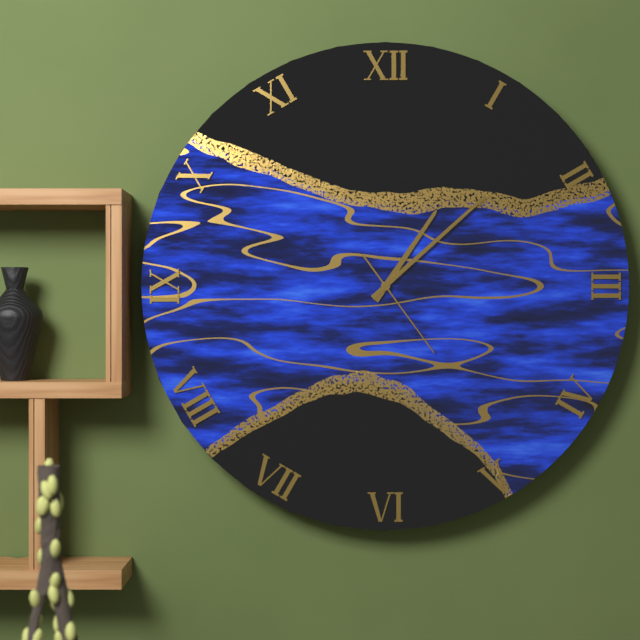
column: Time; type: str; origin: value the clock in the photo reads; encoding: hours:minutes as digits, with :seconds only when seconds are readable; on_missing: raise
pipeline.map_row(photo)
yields 1:08:24
